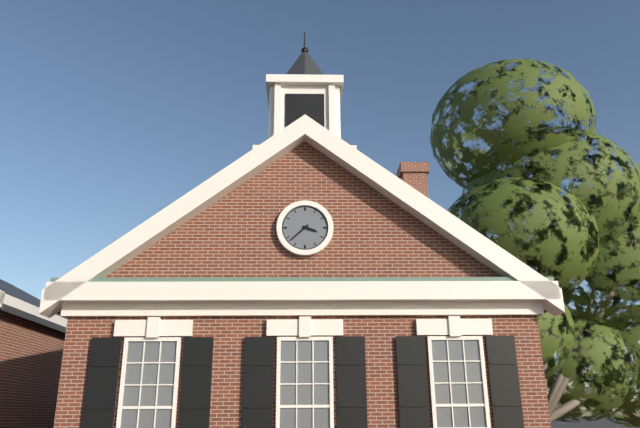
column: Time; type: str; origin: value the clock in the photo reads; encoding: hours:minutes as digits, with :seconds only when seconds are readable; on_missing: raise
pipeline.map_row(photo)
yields 3:38
